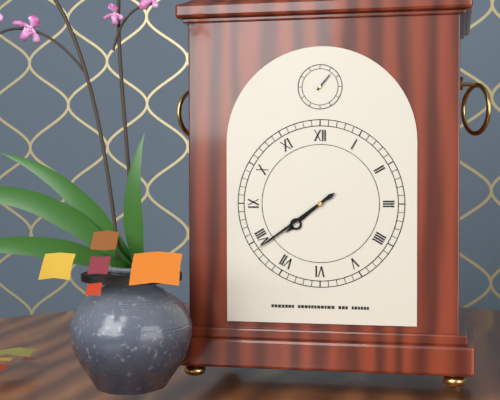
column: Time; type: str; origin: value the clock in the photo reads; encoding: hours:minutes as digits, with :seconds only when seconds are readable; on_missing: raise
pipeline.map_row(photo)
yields 7:39
